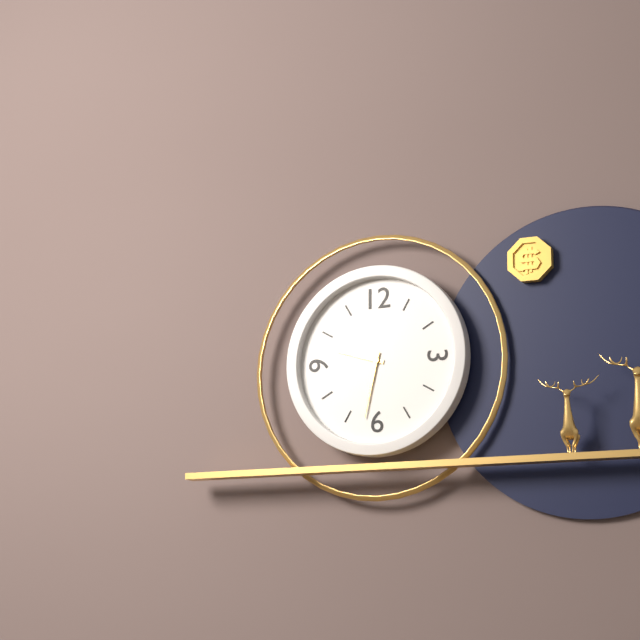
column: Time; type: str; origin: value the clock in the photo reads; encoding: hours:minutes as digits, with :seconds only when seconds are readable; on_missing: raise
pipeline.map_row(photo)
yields 9:32
